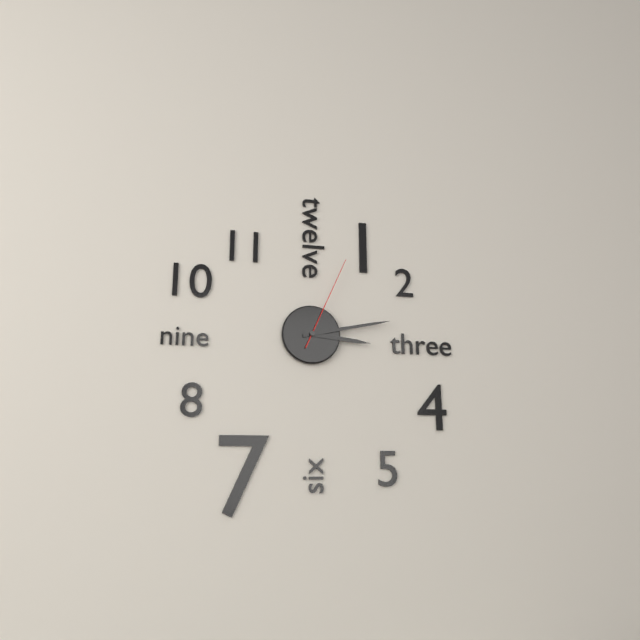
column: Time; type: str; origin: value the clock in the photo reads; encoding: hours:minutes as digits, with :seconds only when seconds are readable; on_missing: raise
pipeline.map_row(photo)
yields 3:13:04
